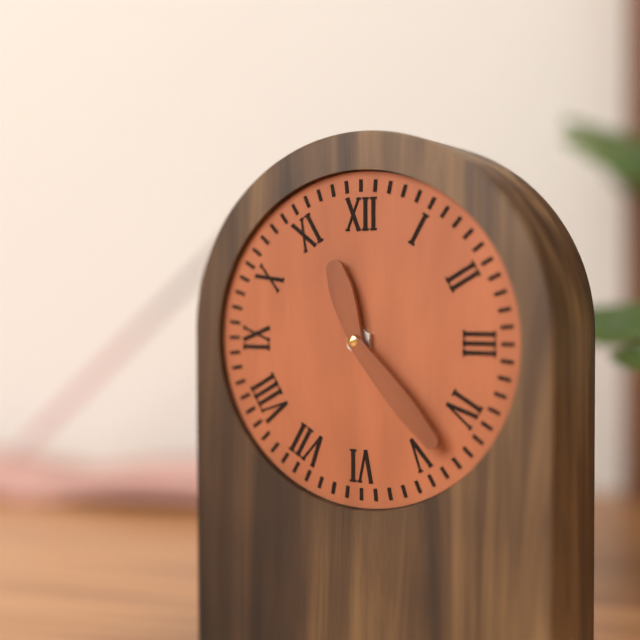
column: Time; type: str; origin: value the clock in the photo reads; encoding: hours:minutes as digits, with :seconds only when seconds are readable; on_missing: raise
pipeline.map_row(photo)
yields 11:23
